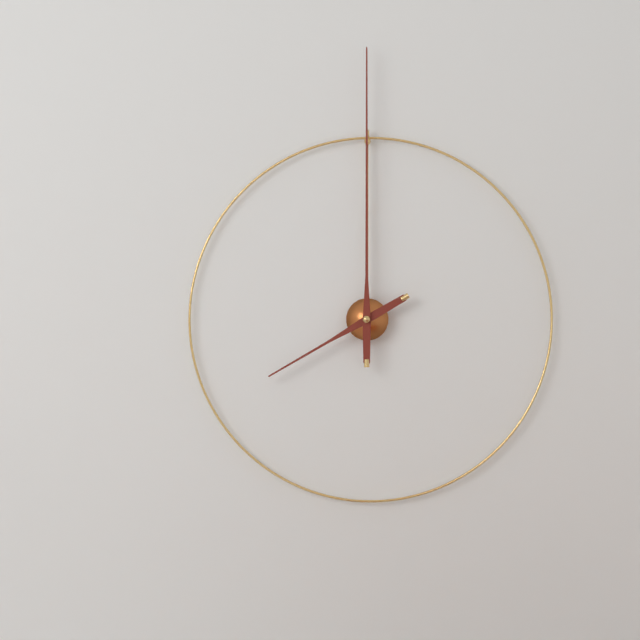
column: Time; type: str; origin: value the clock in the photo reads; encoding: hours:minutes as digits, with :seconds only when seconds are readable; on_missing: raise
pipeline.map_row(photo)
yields 8:00
